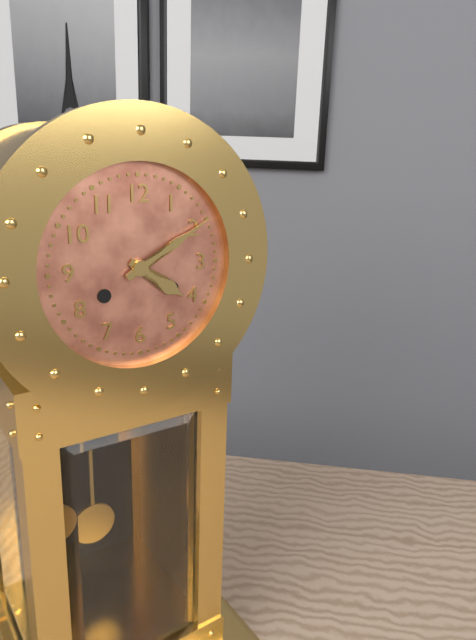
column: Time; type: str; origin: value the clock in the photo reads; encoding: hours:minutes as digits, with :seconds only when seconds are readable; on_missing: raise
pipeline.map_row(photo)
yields 4:10
